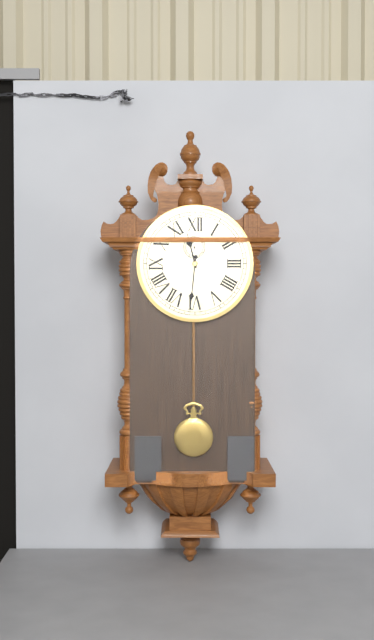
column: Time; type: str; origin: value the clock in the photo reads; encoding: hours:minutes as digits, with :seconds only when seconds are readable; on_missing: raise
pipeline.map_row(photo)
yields 11:31
